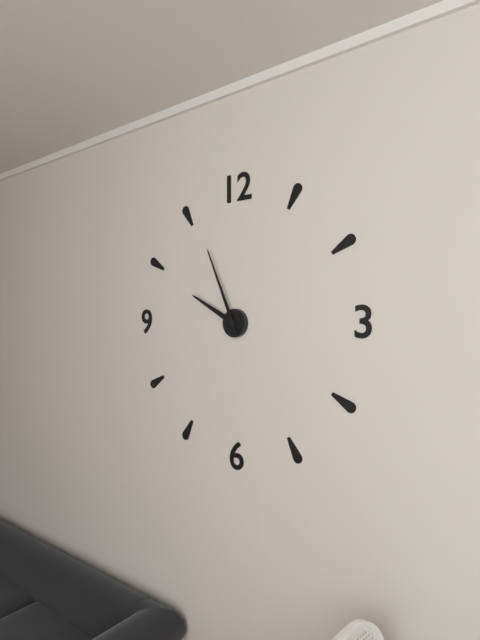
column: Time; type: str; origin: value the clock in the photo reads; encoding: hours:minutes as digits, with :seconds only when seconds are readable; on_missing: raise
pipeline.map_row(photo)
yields 9:56
